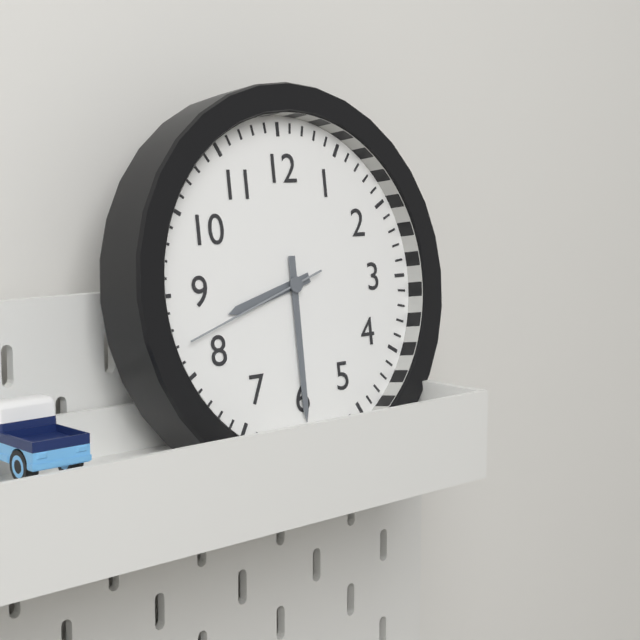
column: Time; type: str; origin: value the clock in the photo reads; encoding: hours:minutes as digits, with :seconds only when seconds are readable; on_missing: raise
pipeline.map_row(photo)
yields 8:30:42
